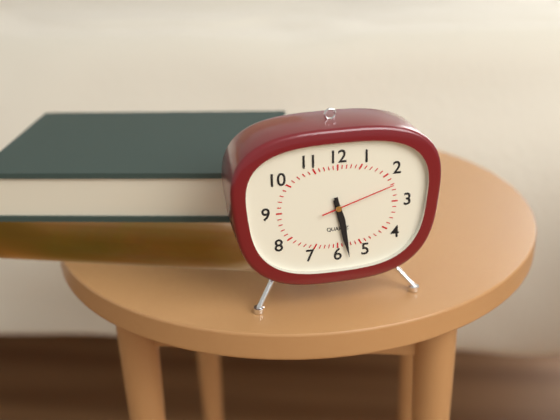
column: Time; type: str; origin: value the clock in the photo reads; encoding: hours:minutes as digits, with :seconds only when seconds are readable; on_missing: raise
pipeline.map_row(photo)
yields 5:28:12
